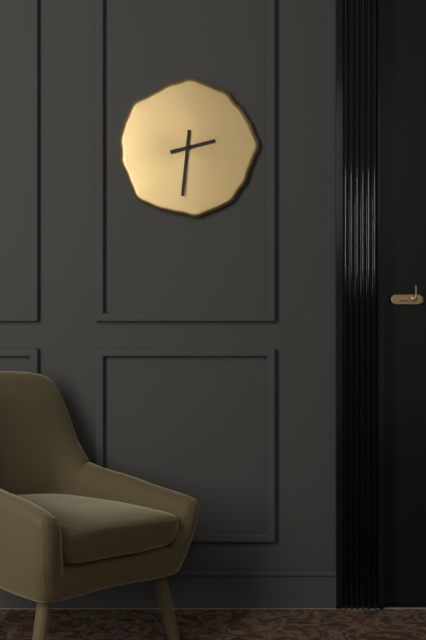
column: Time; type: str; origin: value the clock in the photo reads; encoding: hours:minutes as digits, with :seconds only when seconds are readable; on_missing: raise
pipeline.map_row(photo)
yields 2:31
